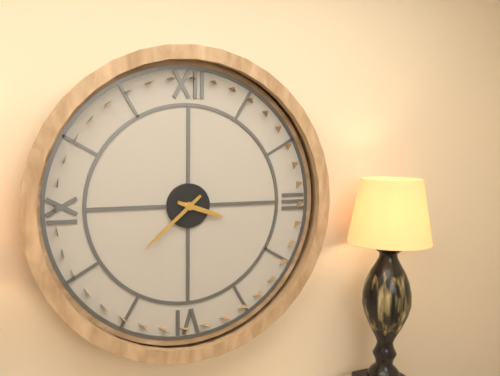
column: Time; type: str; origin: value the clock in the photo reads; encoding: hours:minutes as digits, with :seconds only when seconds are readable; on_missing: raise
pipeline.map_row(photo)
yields 3:38
